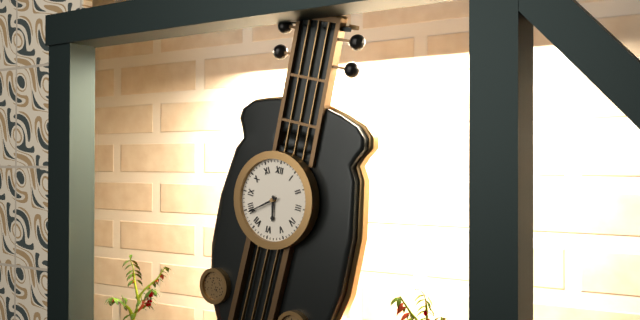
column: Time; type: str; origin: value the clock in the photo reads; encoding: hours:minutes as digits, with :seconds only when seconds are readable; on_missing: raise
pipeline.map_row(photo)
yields 5:39
